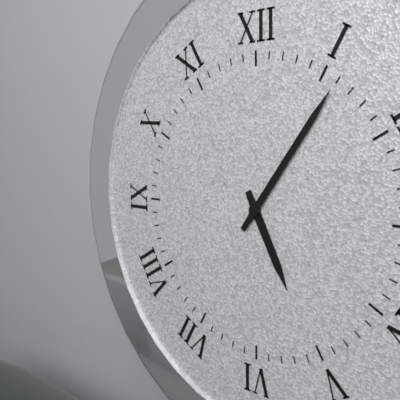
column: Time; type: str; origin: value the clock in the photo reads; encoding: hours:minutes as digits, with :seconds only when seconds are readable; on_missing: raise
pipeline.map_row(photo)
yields 5:06
